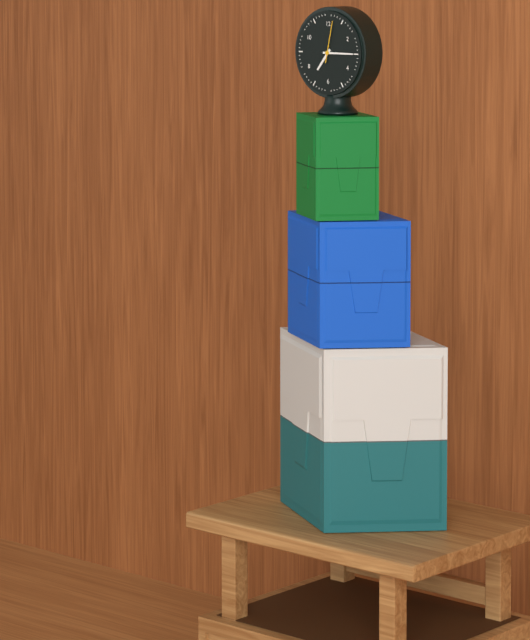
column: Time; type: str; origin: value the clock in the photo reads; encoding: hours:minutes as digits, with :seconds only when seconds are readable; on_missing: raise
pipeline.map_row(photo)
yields 7:15
